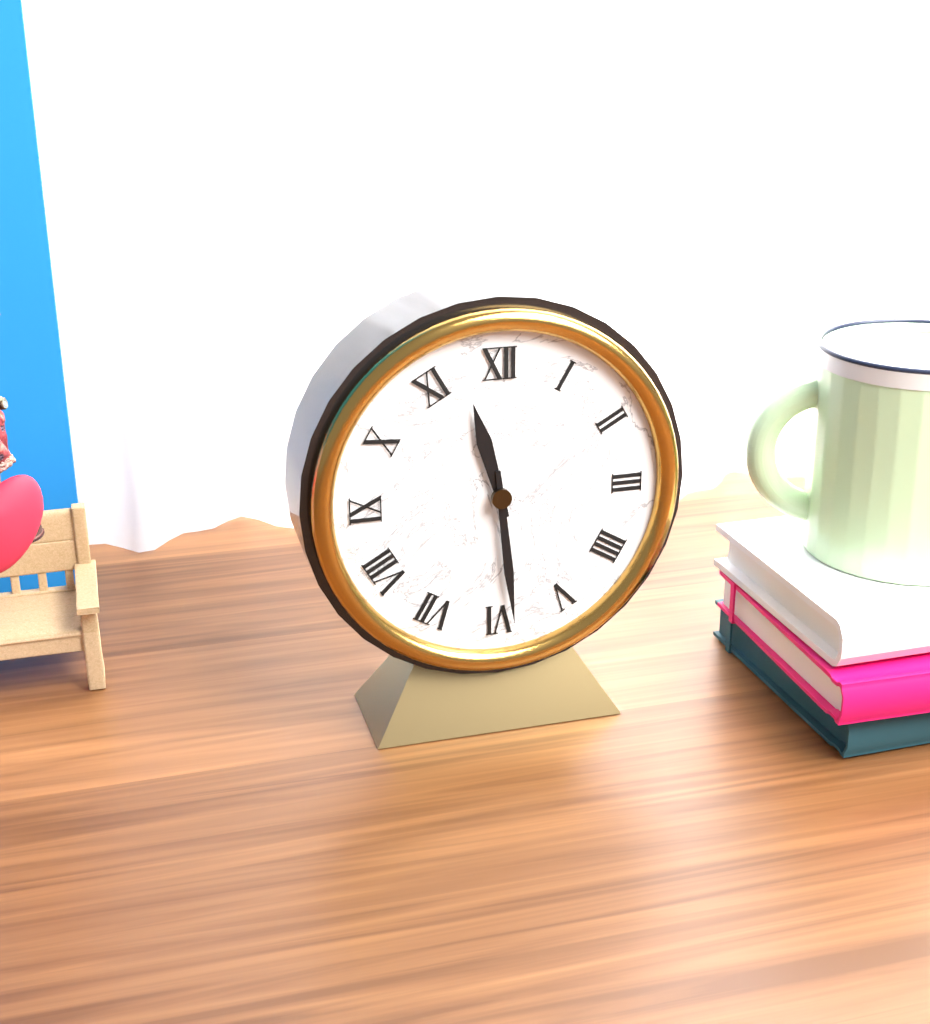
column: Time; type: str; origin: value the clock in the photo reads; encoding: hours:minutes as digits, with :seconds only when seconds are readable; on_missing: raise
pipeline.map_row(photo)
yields 11:29
